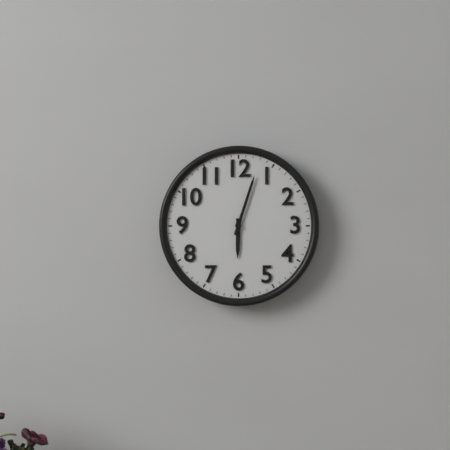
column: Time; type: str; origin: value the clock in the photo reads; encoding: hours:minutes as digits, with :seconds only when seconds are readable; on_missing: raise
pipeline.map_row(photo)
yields 6:03
